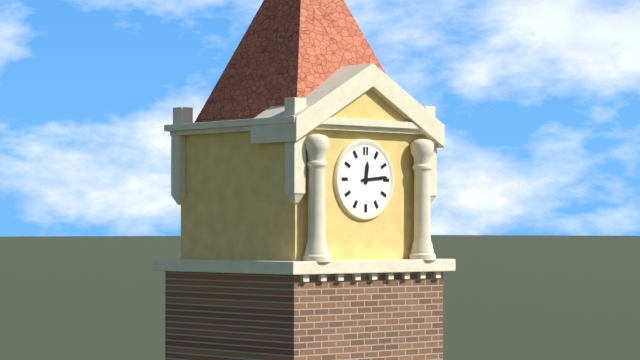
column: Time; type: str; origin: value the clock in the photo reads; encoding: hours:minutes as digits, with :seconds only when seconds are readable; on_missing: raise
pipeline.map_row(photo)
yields 12:14
